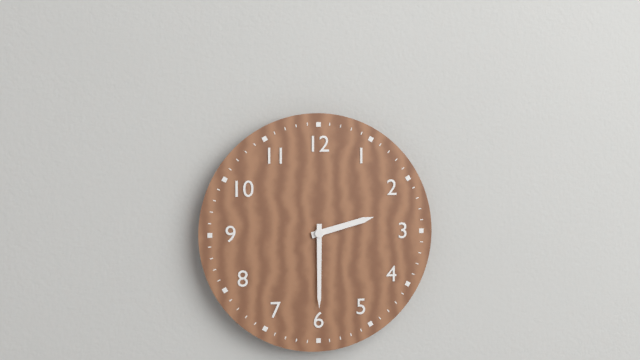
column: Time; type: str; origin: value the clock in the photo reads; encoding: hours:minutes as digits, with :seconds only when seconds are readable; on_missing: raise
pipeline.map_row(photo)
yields 2:30
